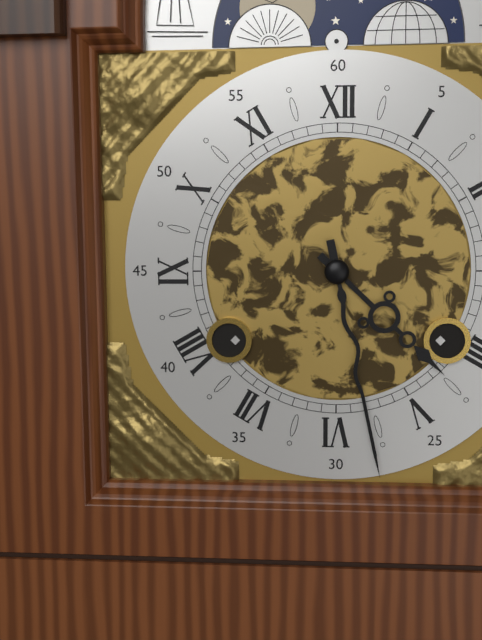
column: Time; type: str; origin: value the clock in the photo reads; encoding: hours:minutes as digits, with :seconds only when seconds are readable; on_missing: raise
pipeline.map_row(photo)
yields 4:28
